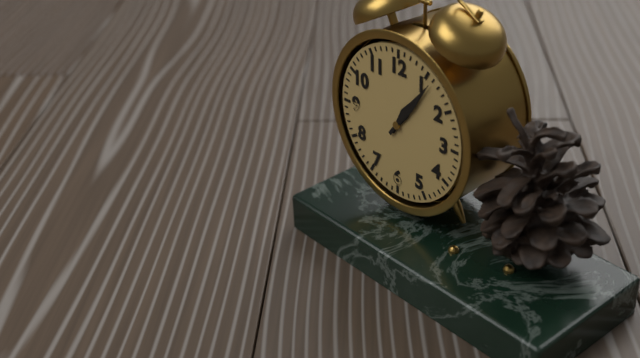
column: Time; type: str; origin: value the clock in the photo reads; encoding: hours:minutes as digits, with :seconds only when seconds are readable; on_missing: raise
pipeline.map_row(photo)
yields 1:06
